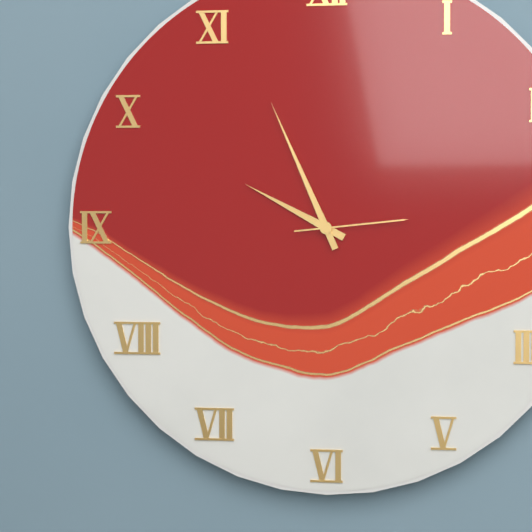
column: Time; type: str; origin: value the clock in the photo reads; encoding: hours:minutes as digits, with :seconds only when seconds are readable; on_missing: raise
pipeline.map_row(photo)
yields 9:56:14
